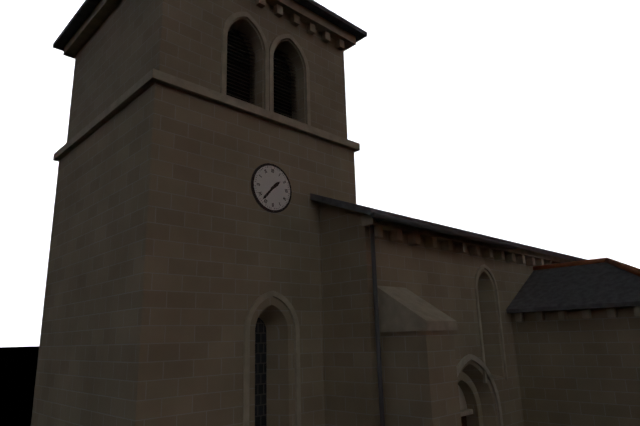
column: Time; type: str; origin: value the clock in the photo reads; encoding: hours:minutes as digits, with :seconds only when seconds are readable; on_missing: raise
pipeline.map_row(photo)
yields 1:37
